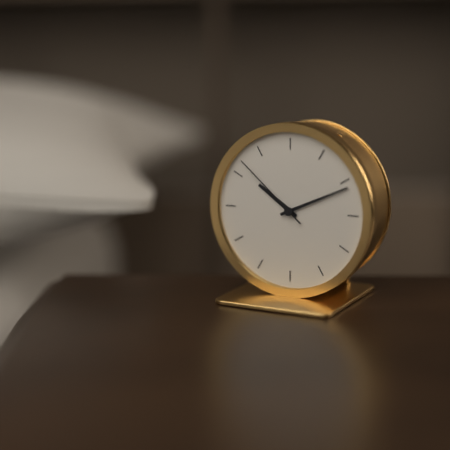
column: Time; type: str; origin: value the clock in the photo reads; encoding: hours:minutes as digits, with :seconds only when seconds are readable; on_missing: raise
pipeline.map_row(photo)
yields 10:11:52
